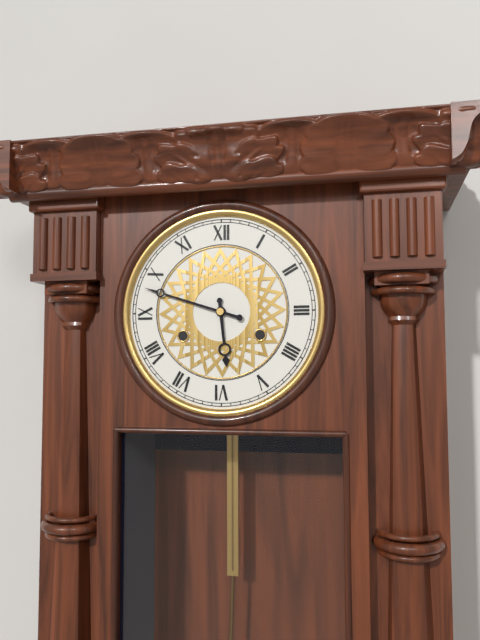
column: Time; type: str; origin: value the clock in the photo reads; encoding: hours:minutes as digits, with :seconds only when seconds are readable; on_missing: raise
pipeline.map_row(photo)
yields 5:48
